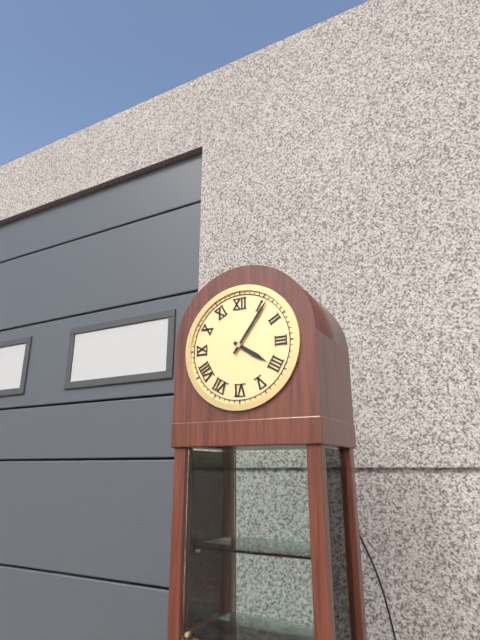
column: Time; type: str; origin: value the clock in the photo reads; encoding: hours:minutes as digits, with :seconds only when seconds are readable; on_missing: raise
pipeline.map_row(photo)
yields 4:06
